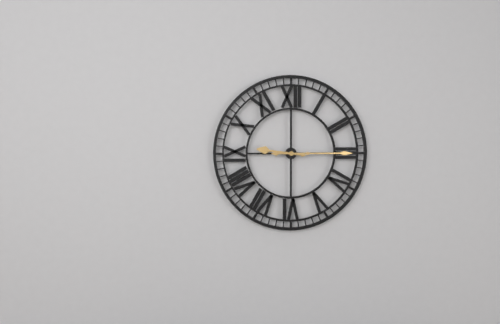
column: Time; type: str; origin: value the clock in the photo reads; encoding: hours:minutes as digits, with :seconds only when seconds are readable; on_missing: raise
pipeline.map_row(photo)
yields 9:15
